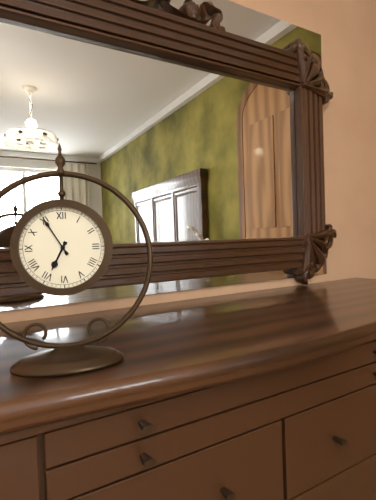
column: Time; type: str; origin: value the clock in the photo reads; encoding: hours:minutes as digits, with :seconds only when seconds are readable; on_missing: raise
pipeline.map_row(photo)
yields 6:55
